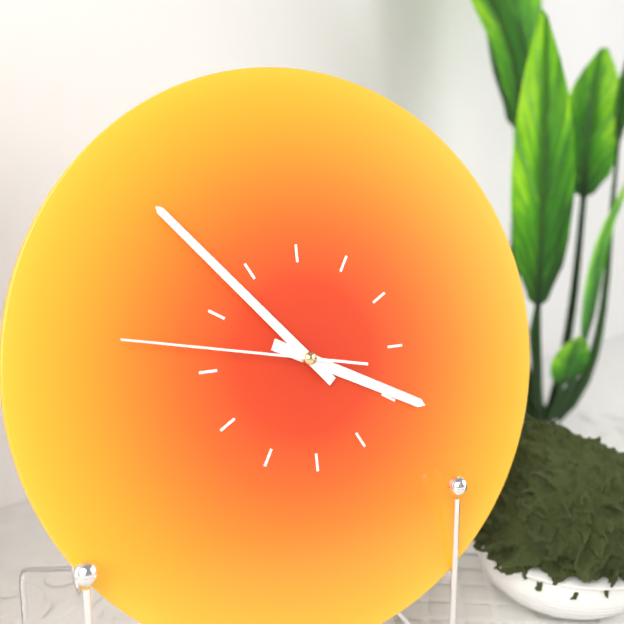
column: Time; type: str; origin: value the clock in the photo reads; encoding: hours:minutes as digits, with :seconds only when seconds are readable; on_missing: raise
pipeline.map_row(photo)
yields 3:53:47
